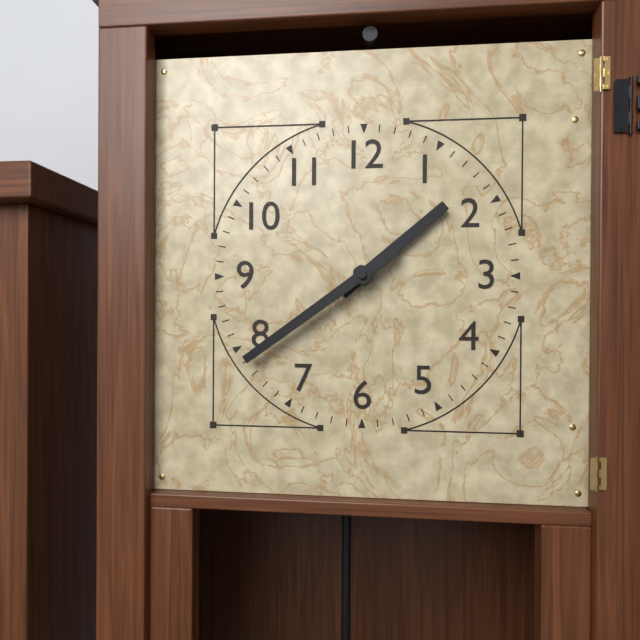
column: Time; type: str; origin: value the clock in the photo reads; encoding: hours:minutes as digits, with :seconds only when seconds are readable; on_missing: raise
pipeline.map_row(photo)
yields 1:39
